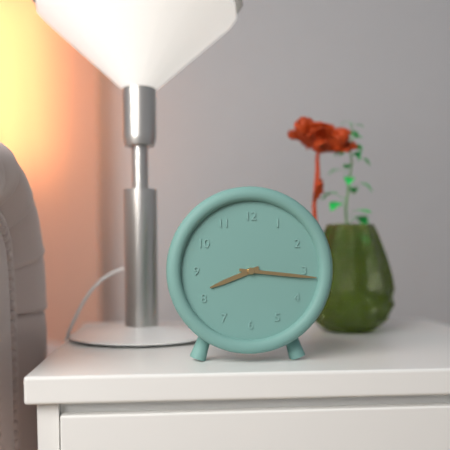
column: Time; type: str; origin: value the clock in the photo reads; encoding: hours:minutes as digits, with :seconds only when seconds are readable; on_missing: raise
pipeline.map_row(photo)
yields 8:16
